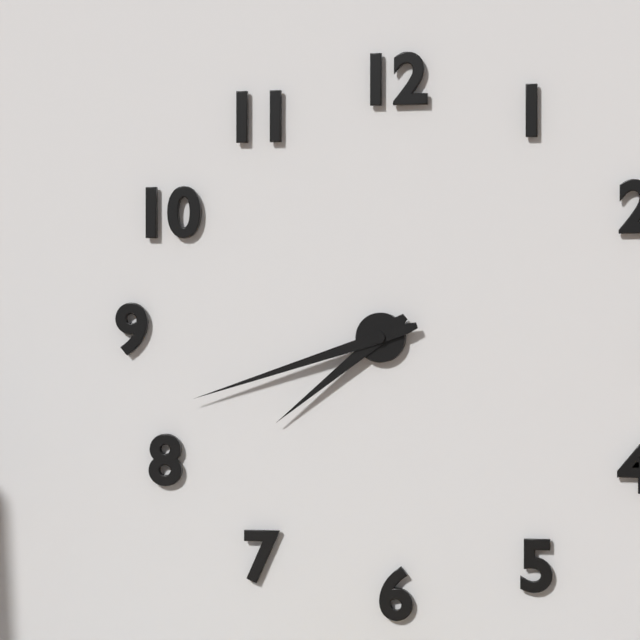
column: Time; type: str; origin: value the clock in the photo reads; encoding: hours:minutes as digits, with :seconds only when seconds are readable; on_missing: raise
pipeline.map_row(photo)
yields 7:42
